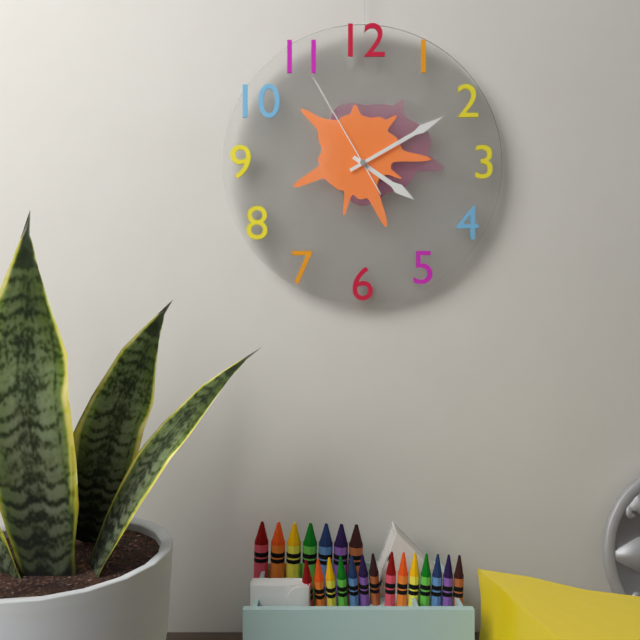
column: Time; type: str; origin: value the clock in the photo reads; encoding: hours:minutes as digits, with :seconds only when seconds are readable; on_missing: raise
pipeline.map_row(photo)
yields 4:10:55
